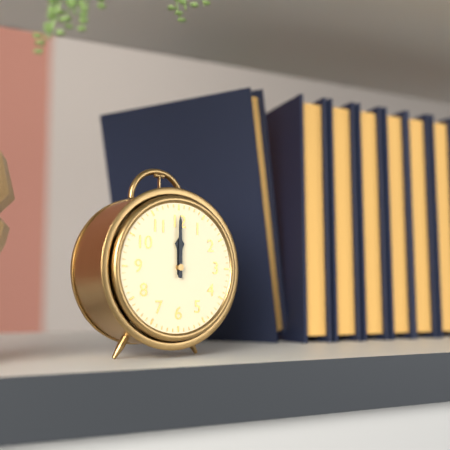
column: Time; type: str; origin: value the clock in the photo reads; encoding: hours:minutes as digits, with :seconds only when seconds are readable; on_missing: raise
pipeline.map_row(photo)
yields 12:00
